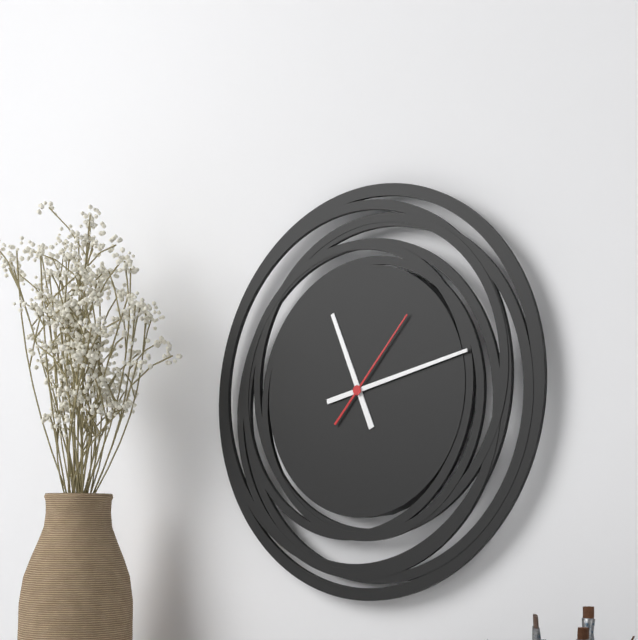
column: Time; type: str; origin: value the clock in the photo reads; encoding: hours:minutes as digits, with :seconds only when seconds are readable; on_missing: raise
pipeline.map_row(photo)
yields 11:13:07
